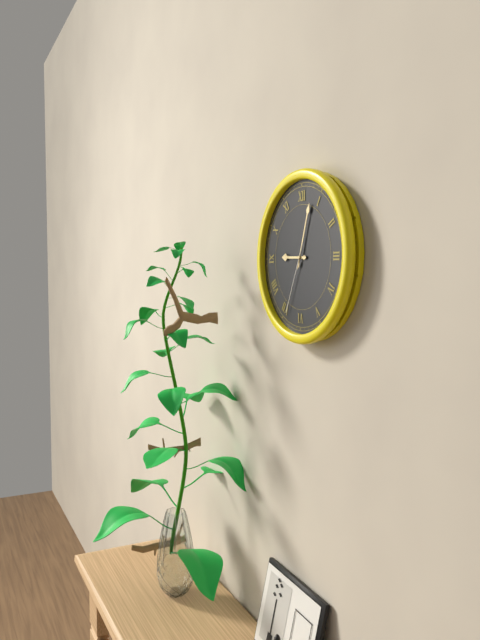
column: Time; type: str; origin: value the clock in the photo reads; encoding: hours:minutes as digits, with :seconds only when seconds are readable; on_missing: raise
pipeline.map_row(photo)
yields 9:03:34
